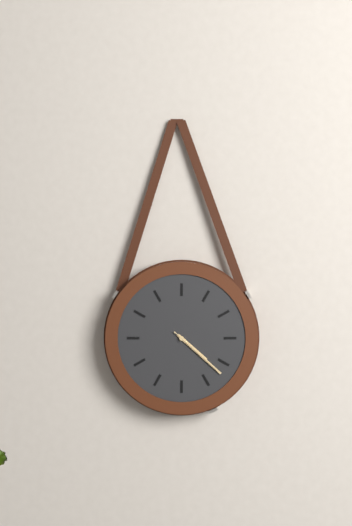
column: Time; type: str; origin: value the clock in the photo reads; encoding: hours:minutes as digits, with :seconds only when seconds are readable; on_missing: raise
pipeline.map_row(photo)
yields 4:22:22
